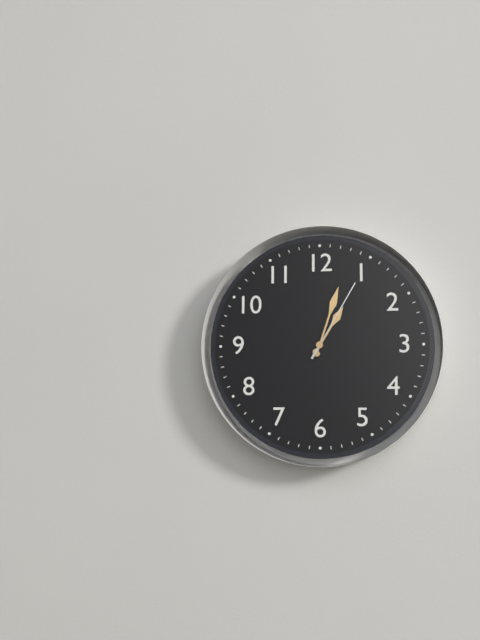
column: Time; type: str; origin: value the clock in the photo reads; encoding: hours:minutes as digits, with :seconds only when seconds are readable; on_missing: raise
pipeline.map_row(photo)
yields 1:03:05
